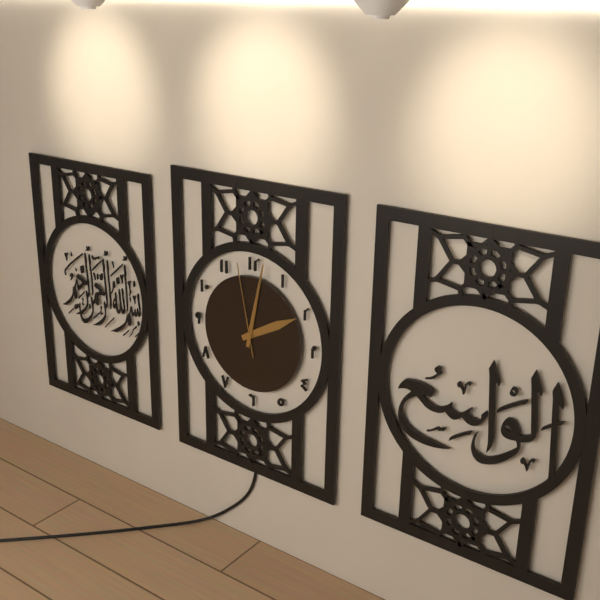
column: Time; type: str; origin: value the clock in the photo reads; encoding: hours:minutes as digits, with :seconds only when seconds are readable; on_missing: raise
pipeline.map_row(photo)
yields 2:02:58
